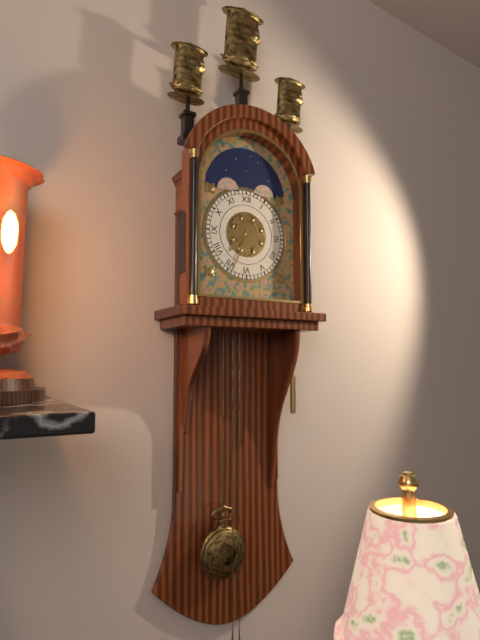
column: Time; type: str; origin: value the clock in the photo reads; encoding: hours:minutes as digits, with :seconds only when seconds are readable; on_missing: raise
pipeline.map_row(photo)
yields 7:34
